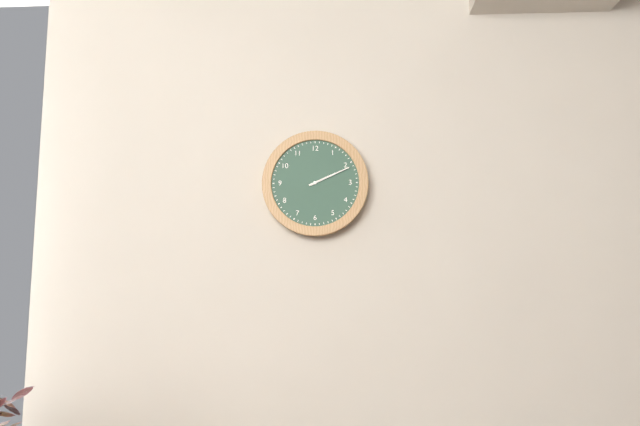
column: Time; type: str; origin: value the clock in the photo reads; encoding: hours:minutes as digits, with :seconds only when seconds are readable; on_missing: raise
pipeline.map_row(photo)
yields 2:11
